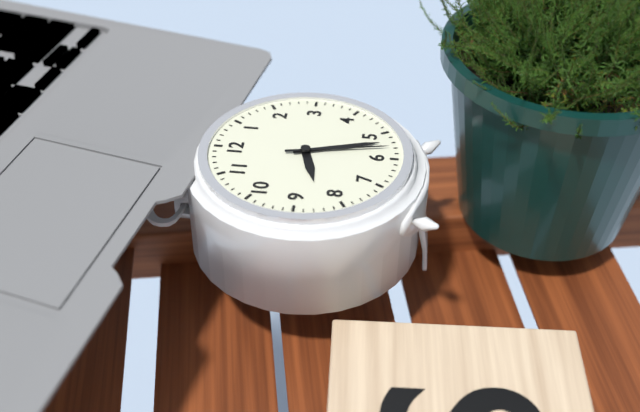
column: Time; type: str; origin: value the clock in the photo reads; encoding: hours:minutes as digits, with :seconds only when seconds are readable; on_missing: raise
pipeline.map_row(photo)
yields 8:27:28
